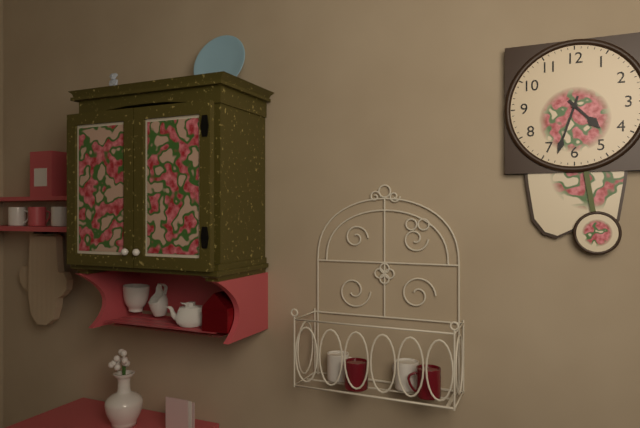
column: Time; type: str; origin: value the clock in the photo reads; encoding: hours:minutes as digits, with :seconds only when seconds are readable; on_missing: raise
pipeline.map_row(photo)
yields 4:33
